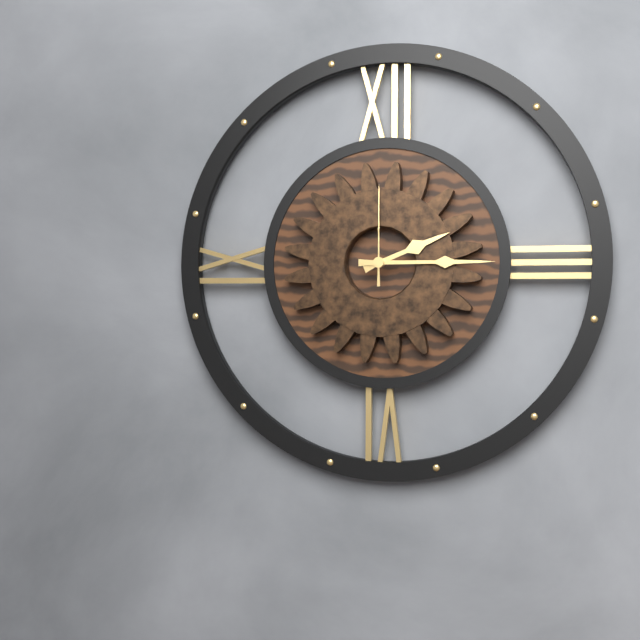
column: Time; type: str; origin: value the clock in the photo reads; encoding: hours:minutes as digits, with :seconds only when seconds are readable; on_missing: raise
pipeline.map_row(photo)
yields 2:15:00
